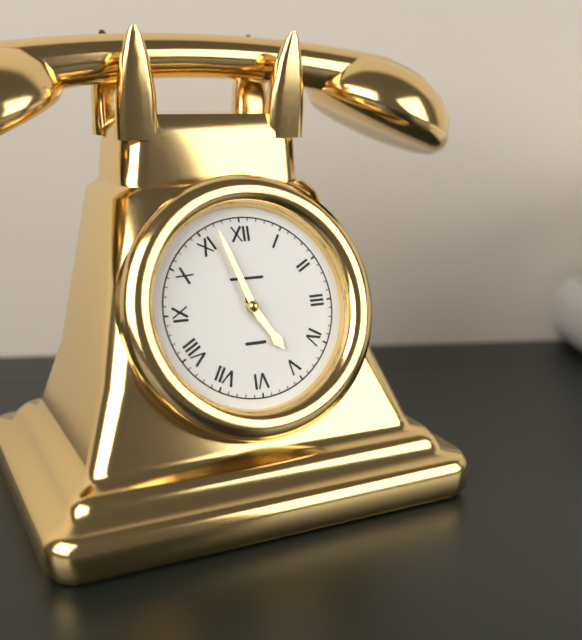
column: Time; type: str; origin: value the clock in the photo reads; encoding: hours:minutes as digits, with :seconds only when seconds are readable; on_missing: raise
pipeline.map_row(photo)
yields 4:57
